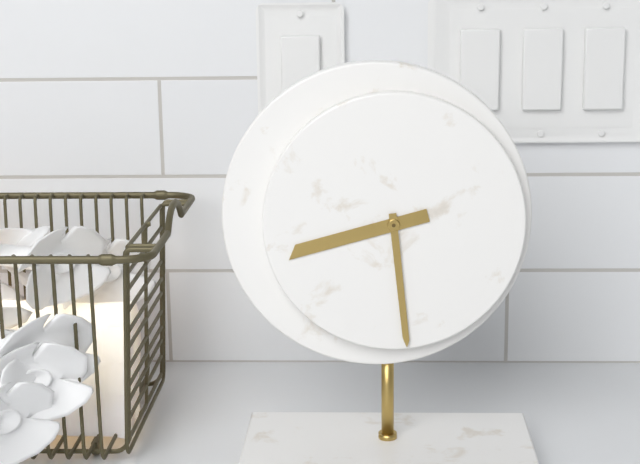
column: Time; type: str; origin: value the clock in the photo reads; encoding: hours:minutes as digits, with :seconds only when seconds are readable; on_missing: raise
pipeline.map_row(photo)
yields 8:29
